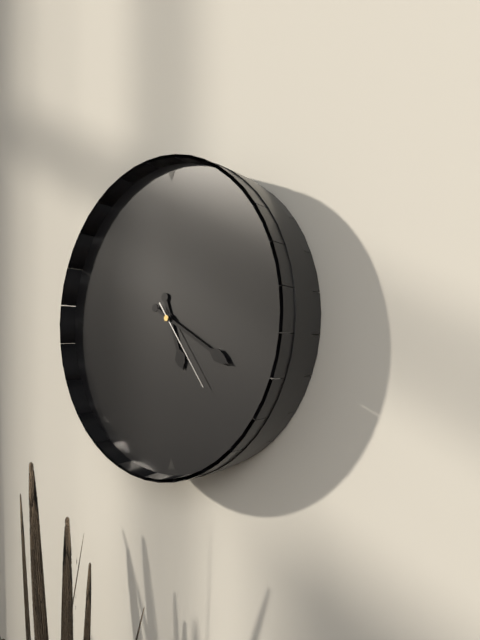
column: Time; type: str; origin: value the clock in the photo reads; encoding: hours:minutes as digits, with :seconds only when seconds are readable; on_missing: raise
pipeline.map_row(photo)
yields 5:20:24
